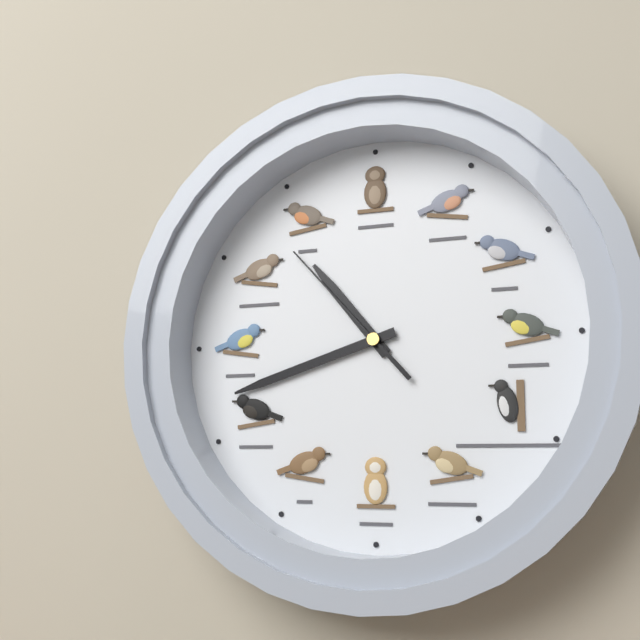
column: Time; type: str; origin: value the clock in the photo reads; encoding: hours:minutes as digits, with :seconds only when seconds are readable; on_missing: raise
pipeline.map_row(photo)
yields 10:42:53
